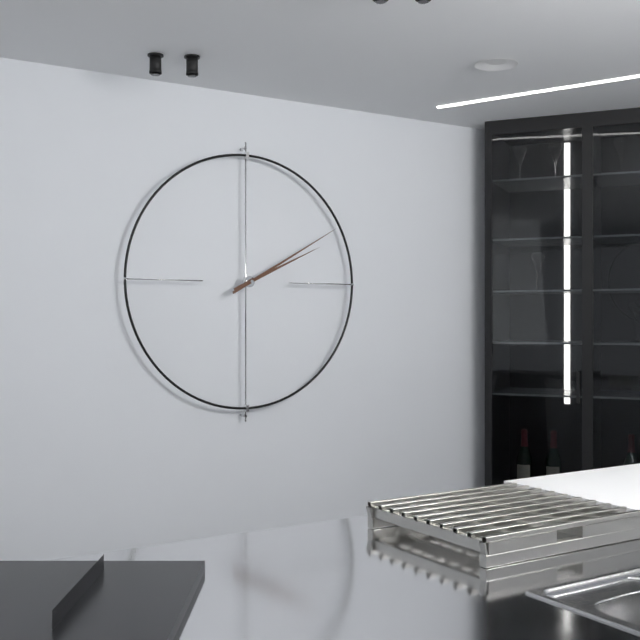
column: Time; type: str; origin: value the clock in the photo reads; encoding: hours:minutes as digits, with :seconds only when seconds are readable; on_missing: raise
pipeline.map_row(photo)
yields 2:10
